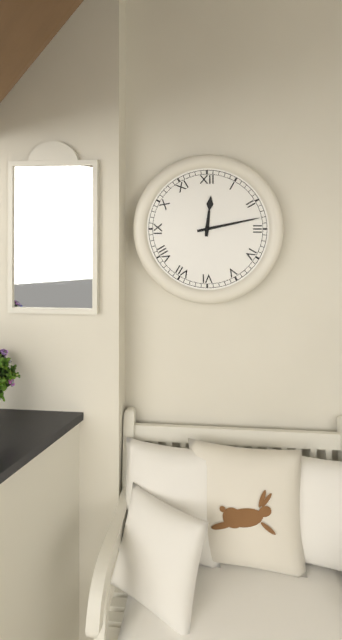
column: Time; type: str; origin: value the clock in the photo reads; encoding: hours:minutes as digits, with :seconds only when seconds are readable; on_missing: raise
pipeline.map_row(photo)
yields 12:13
